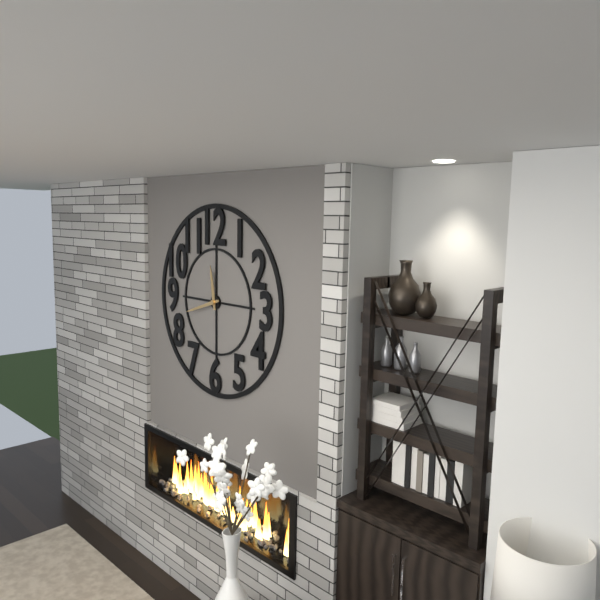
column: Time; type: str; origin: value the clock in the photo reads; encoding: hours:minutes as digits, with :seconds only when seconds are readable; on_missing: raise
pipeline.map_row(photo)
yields 11:42
